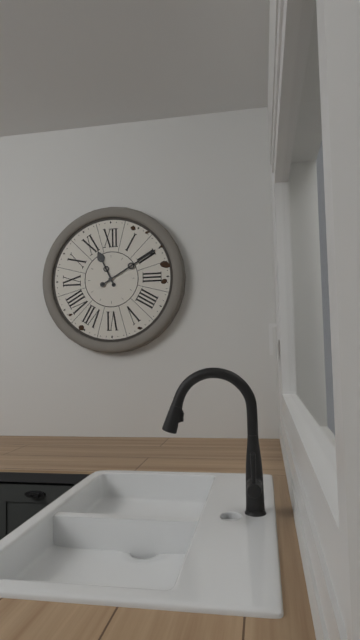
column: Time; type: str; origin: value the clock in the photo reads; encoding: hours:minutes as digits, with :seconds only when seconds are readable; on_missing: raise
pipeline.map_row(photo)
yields 11:10
